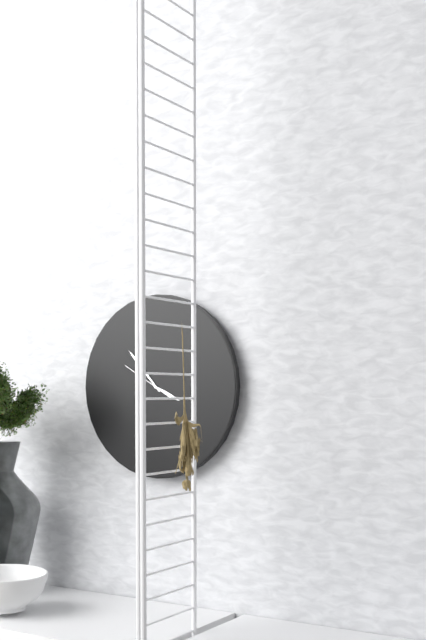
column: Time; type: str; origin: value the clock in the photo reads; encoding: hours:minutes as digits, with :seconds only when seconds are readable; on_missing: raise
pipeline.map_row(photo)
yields 3:53
